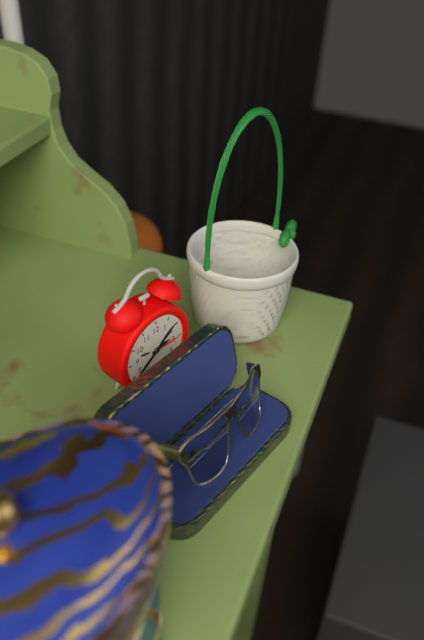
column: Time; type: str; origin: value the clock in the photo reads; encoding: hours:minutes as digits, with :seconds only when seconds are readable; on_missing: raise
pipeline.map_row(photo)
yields 2:39
